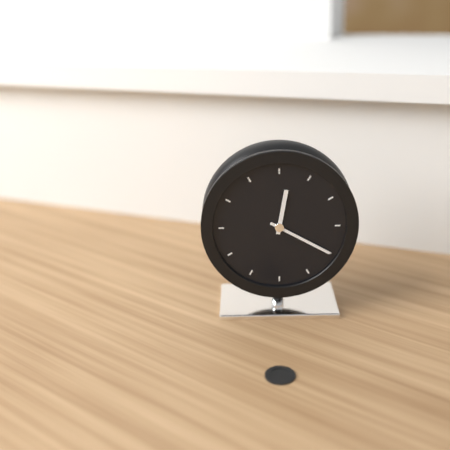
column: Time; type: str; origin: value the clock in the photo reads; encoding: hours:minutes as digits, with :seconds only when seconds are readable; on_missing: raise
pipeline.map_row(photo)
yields 12:20
